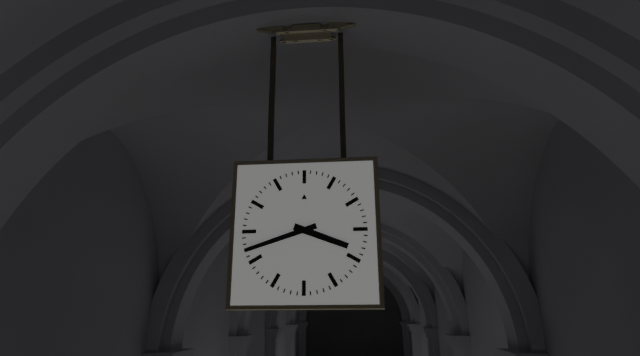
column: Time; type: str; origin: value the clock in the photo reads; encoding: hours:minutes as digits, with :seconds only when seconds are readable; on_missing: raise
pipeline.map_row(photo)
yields 3:42
